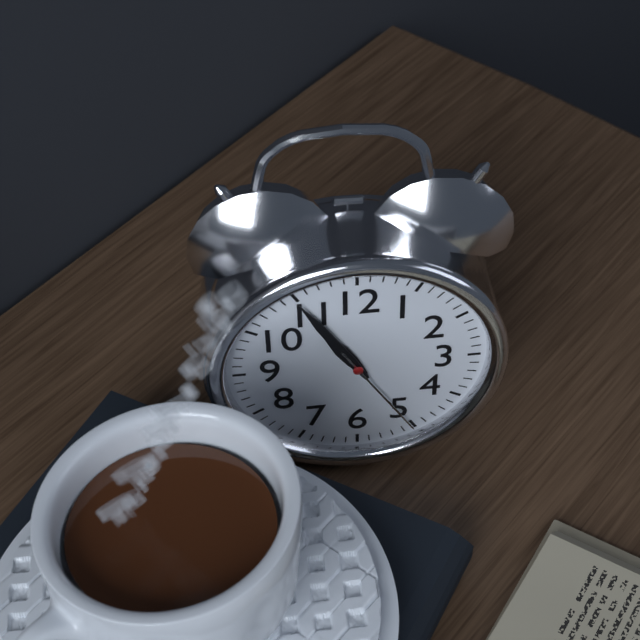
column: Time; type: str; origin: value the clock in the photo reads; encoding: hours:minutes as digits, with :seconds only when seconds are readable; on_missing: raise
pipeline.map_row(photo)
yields 10:55:25
